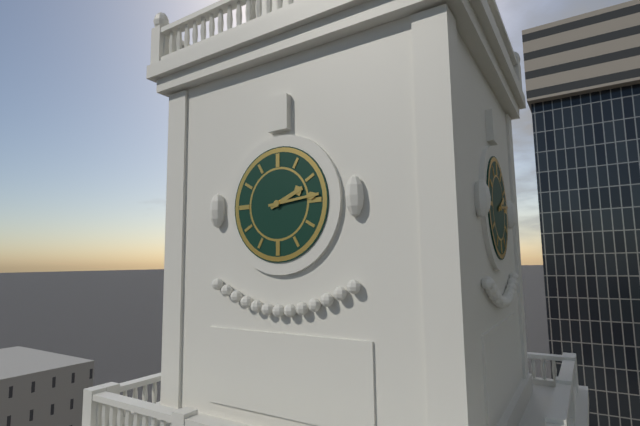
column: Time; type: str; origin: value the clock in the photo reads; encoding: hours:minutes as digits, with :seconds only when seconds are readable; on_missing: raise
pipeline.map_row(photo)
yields 2:14
